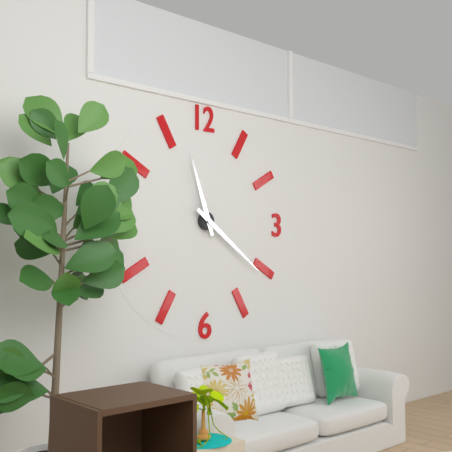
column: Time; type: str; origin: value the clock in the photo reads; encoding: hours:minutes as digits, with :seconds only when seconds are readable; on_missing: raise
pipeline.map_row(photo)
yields 11:21
